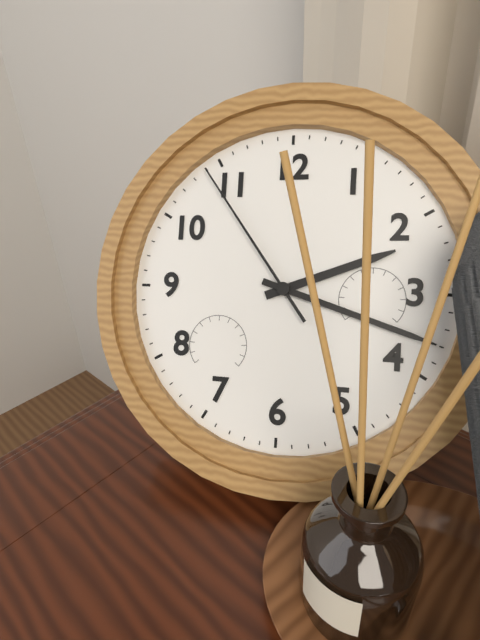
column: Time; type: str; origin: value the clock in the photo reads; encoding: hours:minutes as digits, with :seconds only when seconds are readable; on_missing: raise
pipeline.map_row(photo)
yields 2:18:54
